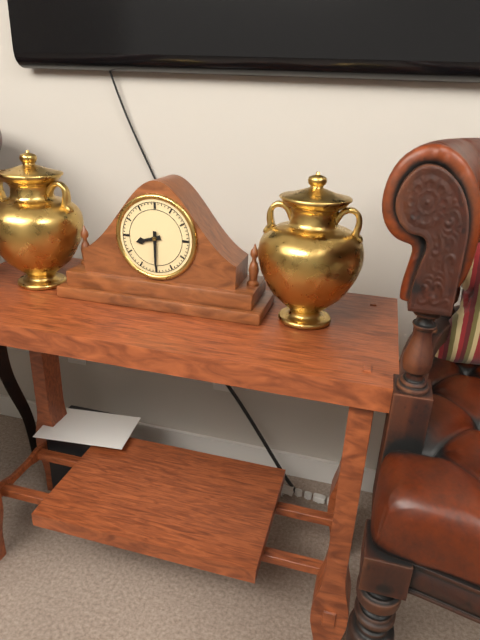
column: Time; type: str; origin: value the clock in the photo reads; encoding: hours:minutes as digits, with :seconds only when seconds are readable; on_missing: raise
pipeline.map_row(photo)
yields 8:30
